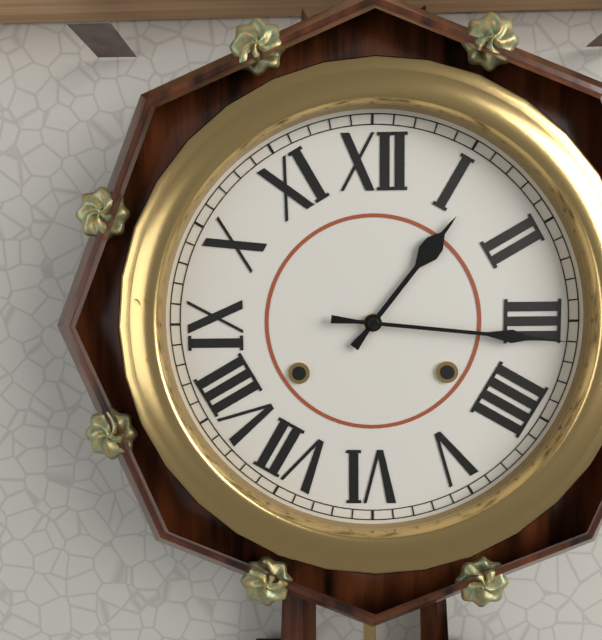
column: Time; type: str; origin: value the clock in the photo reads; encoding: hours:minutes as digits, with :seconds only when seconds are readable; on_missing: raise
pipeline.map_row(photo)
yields 1:16
